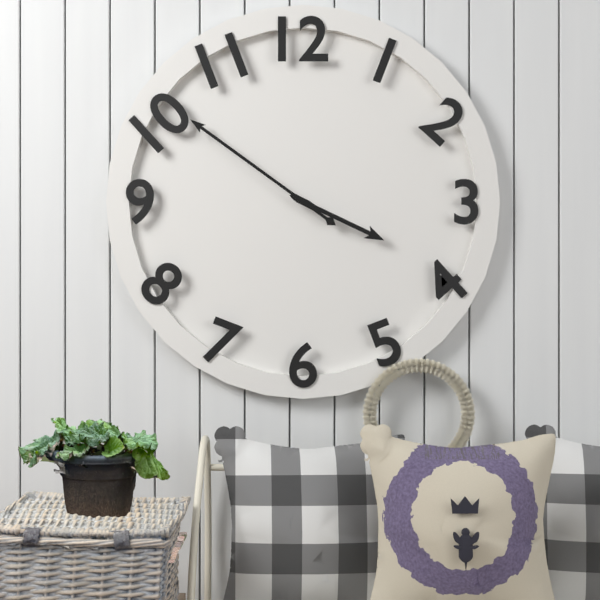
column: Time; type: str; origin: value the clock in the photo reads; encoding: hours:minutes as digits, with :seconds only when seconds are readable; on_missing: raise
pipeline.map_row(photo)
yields 3:51
